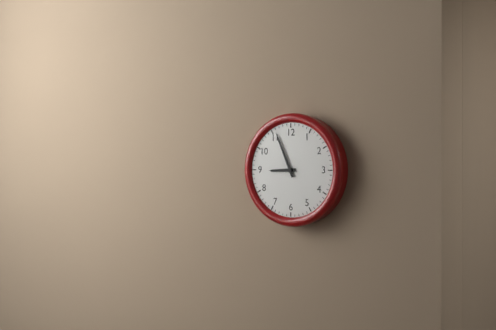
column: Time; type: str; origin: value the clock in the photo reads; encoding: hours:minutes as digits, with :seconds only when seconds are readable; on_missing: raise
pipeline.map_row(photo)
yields 8:56
